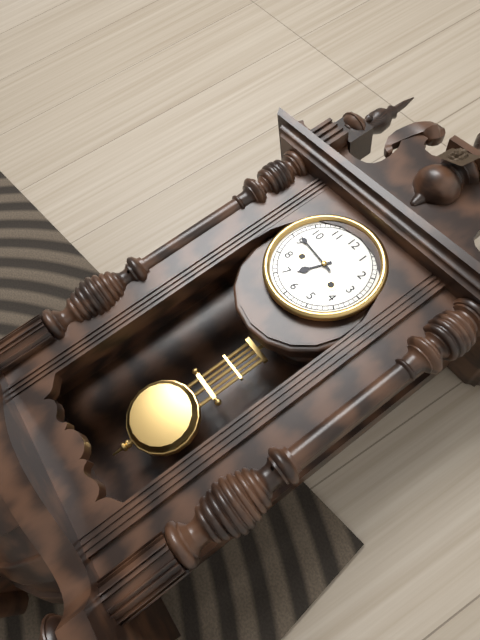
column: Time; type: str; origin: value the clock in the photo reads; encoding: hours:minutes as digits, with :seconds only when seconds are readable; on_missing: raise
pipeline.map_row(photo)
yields 6:46
